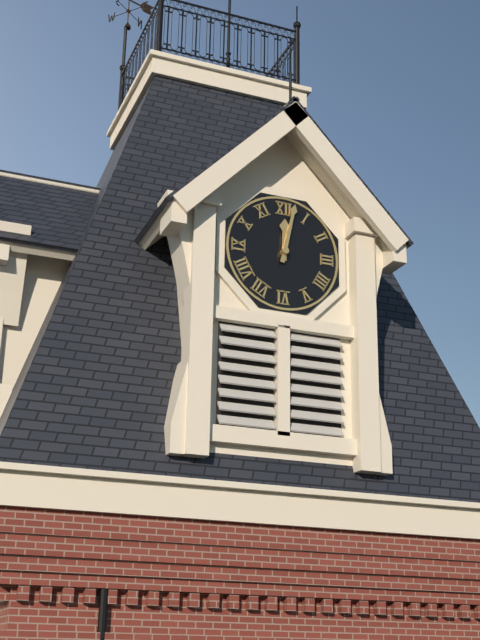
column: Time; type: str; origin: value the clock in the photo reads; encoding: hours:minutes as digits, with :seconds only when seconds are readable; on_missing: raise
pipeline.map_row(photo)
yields 12:02
